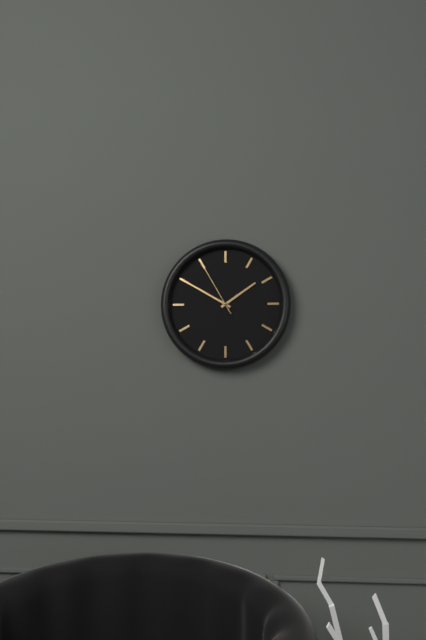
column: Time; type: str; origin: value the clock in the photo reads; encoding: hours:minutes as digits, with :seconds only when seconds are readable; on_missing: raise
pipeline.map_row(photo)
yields 1:50:55
